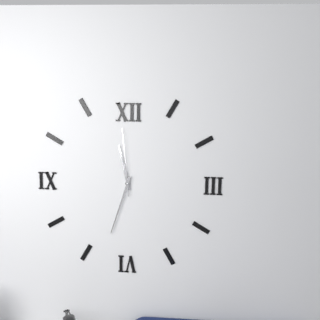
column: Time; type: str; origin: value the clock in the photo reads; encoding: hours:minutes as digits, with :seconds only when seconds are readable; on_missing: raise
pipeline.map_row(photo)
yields 11:33:59
